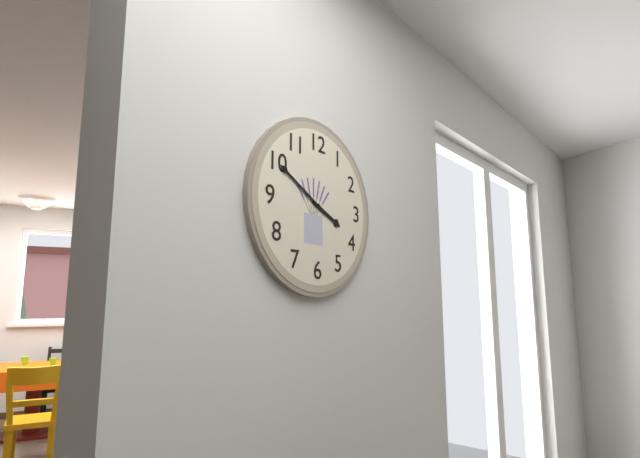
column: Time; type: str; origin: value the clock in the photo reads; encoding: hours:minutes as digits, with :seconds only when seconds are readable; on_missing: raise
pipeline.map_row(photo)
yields 3:50
